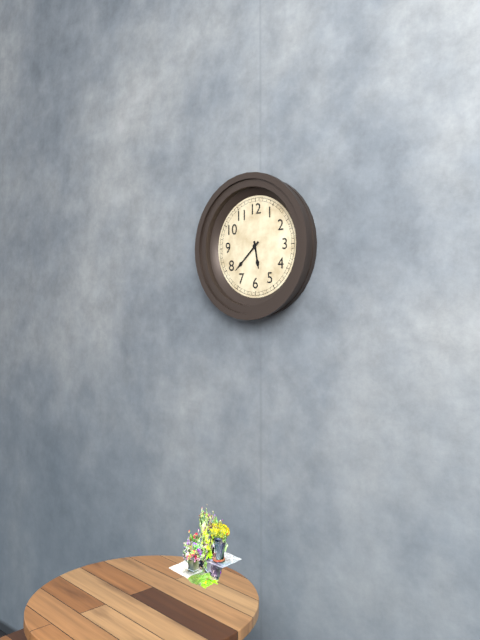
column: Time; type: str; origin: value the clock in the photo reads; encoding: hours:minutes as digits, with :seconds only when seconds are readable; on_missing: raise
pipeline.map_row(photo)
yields 5:38
